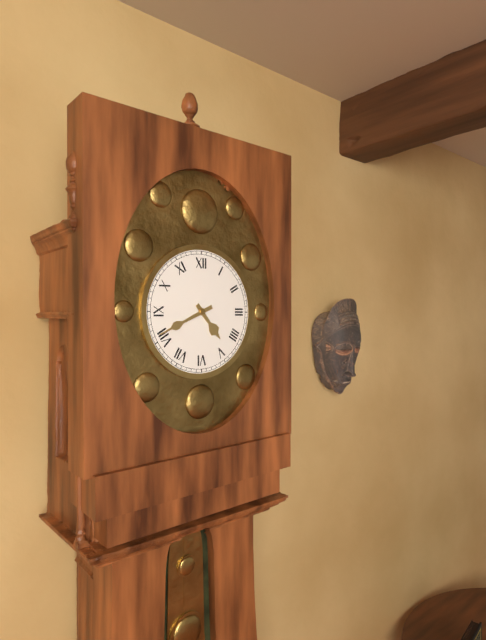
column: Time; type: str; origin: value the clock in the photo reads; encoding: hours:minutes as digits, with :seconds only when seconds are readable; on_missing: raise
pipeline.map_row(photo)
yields 4:41
